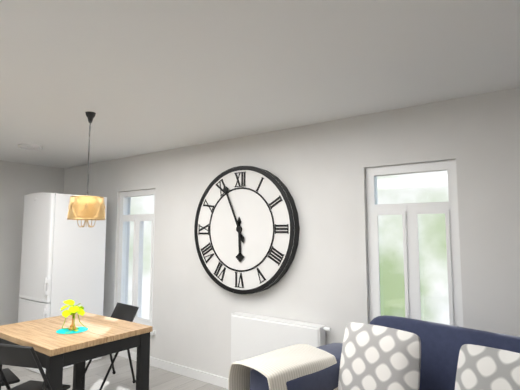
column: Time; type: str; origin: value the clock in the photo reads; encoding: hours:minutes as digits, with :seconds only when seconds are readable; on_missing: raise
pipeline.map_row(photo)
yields 5:56
